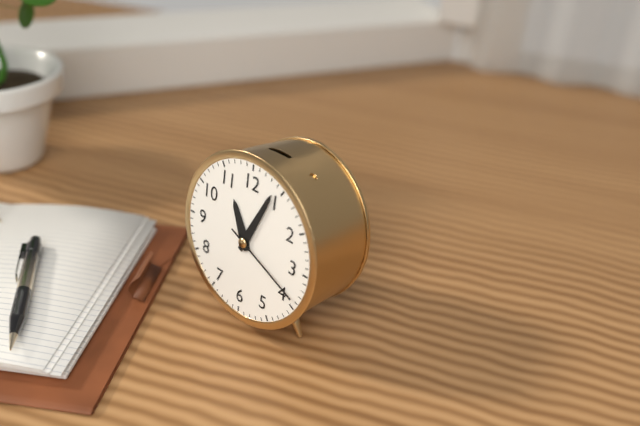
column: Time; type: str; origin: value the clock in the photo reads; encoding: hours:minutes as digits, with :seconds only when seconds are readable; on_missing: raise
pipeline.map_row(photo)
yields 11:04:19
